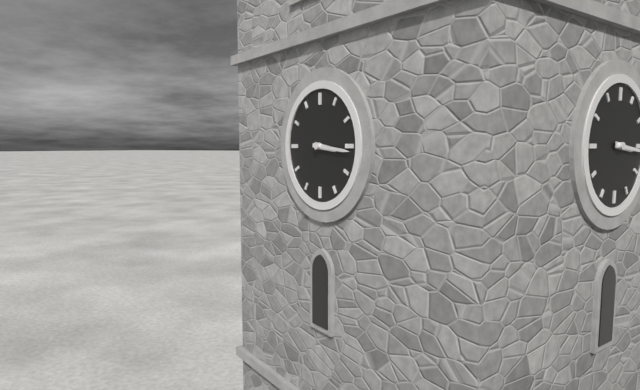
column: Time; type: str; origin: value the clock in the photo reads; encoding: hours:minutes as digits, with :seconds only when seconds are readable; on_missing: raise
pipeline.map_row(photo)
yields 3:16
